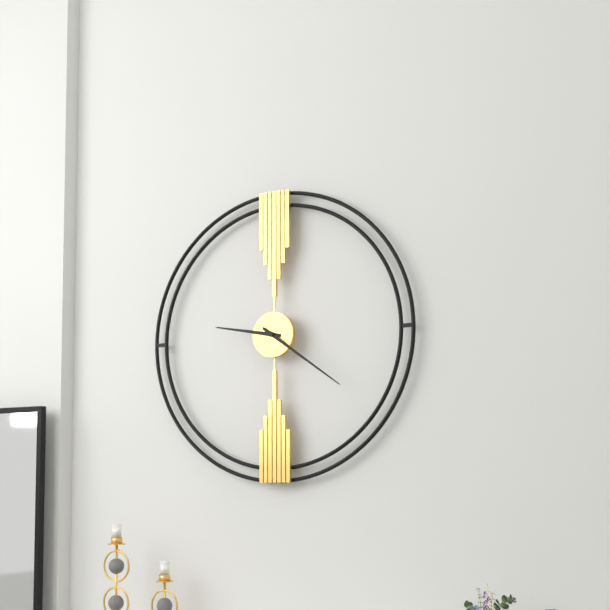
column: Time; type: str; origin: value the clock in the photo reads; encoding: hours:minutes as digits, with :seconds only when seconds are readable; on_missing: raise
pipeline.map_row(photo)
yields 9:21
